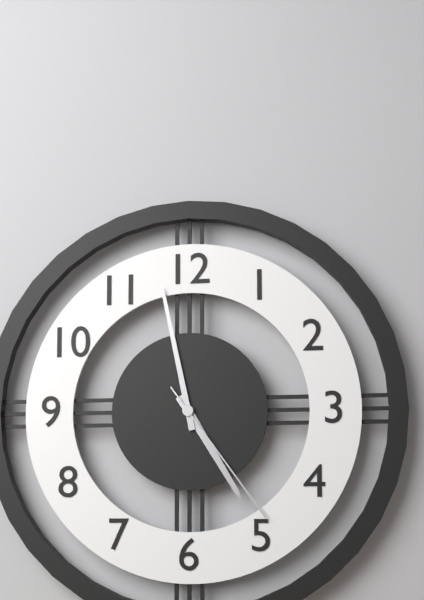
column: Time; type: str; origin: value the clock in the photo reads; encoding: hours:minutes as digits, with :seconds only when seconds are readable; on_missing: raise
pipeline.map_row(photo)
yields 4:58:24
